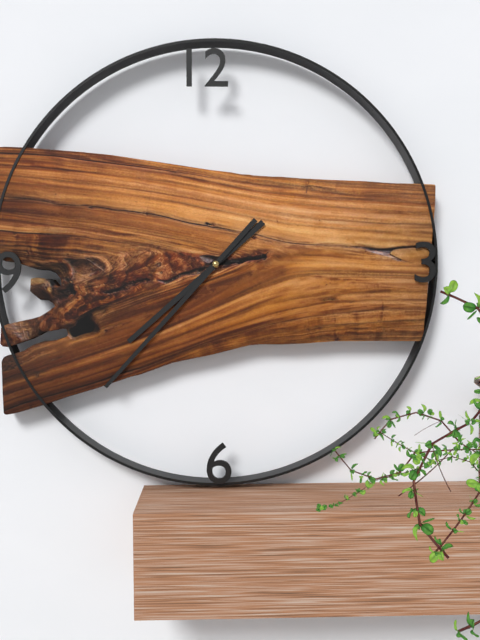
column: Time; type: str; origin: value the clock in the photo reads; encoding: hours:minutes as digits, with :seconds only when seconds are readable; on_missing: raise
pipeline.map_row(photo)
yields 7:37
